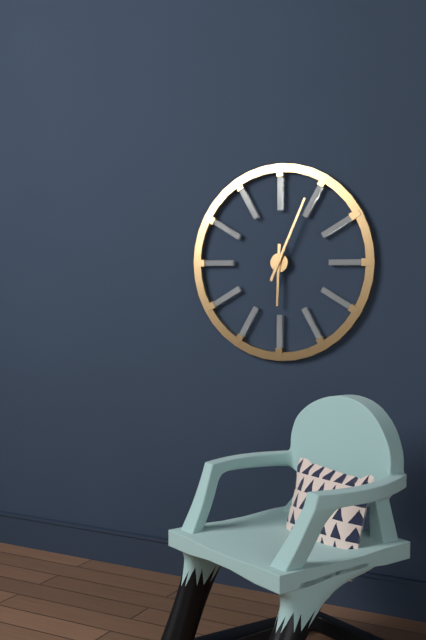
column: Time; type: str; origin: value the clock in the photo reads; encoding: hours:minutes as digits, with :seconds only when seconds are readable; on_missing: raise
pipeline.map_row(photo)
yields 6:04
